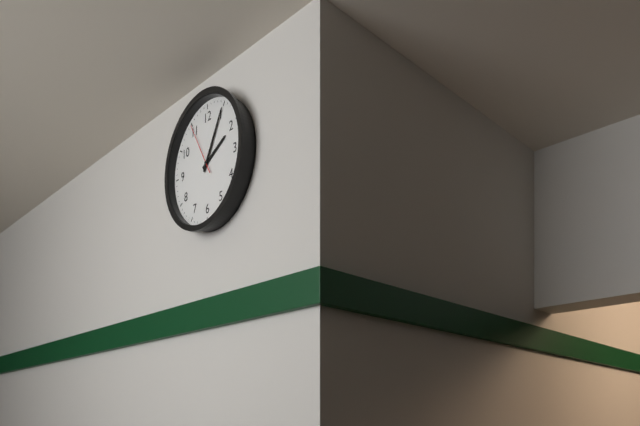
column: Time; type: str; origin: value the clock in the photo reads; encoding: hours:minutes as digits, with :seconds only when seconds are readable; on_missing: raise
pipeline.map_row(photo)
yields 2:05:55
